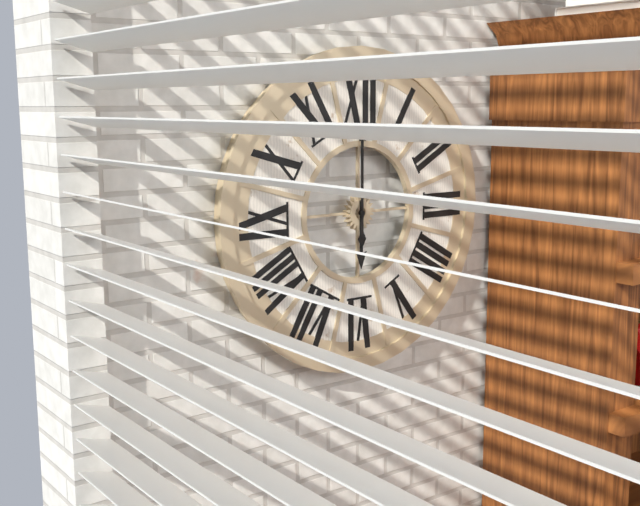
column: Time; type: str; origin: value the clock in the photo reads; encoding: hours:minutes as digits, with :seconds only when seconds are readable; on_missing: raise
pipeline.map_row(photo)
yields 6:00
